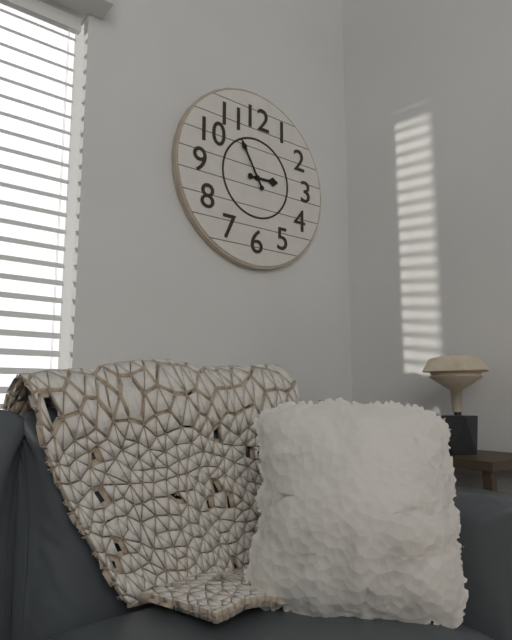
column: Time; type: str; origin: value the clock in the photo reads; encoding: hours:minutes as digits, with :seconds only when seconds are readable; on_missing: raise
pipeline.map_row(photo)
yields 2:55
